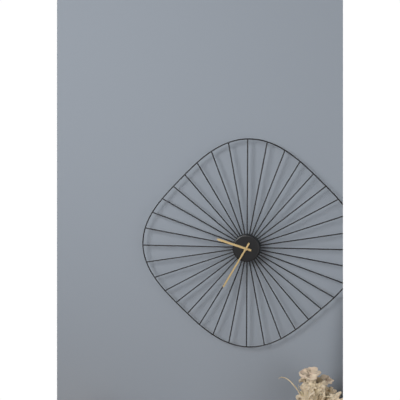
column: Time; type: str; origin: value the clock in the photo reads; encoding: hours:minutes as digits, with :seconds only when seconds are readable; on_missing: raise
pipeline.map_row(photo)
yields 9:35
